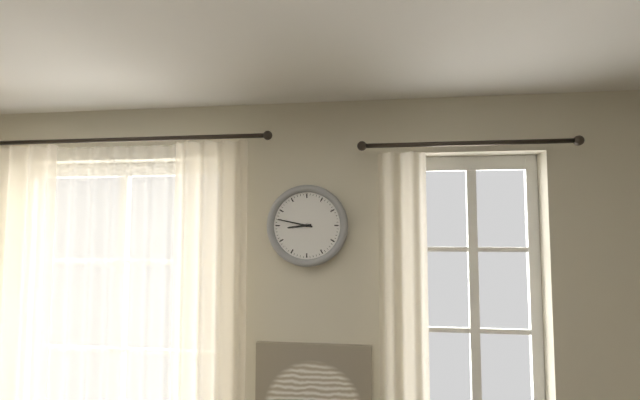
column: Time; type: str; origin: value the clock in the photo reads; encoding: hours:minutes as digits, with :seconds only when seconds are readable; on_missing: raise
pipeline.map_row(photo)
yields 8:47
